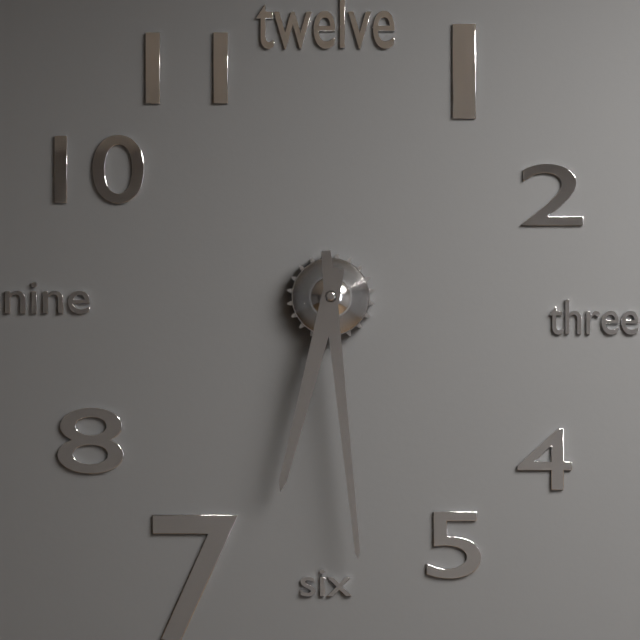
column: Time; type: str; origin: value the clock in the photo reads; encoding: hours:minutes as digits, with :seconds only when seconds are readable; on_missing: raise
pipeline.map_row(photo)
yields 6:29
